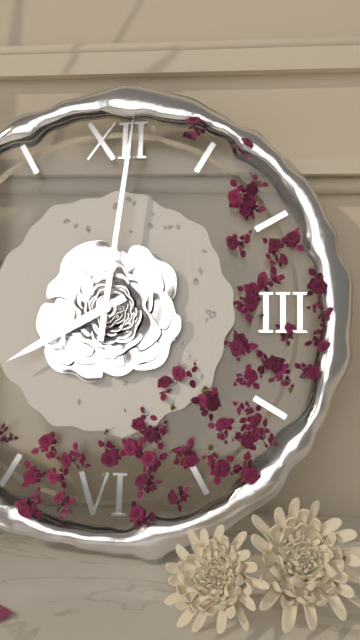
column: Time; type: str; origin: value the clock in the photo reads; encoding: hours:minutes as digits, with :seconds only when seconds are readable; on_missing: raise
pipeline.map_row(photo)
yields 8:01
